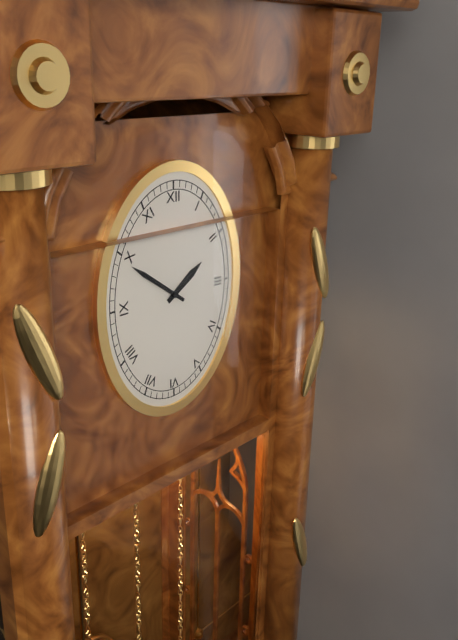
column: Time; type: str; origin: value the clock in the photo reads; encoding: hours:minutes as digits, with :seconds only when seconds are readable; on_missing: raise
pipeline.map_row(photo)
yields 1:51
